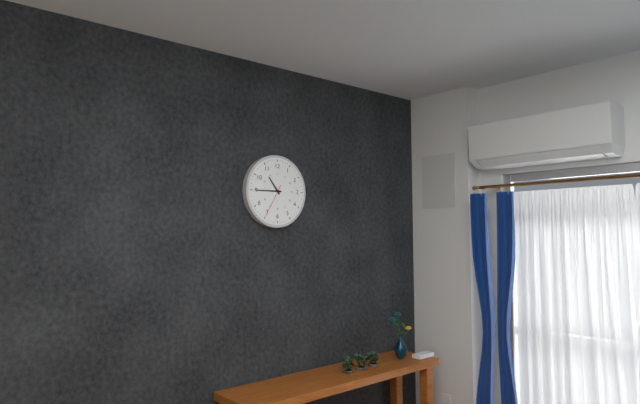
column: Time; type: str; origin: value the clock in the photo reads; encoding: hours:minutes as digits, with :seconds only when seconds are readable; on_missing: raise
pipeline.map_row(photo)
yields 10:45
